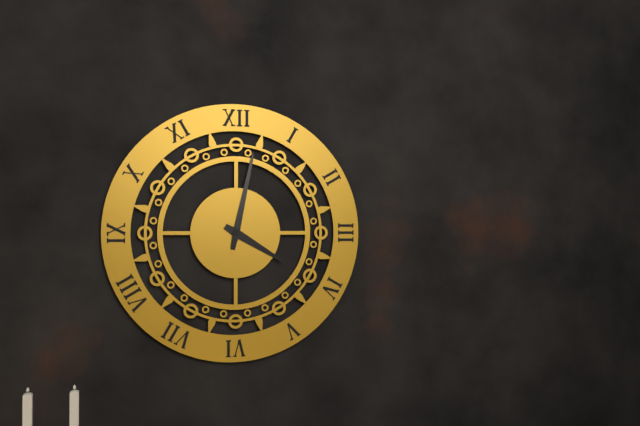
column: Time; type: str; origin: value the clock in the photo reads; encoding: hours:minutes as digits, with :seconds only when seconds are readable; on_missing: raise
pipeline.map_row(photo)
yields 4:02
